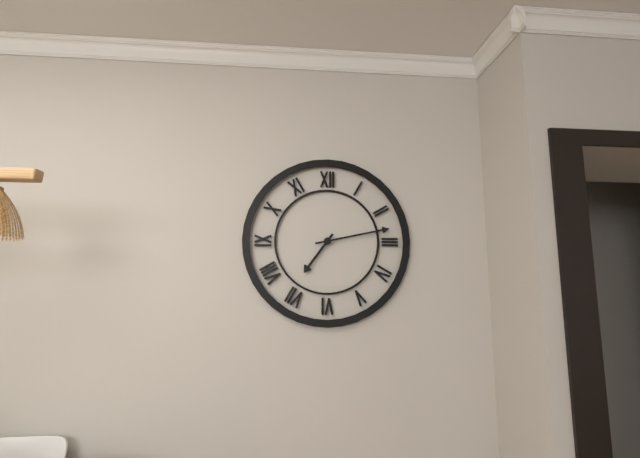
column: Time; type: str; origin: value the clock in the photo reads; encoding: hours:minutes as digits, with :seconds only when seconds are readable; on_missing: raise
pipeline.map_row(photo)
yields 7:13
